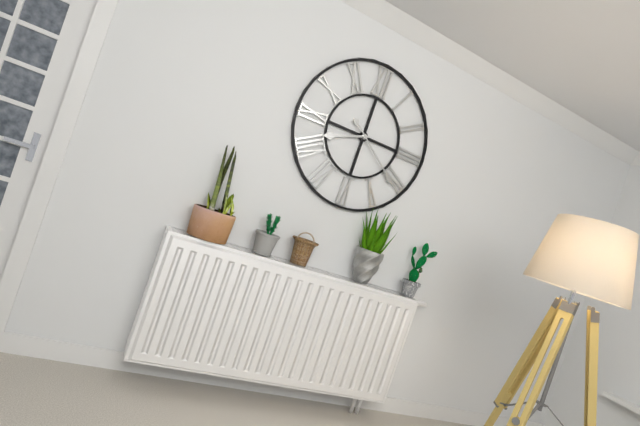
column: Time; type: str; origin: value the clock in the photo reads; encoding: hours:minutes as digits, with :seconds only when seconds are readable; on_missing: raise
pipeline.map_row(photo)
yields 8:21
